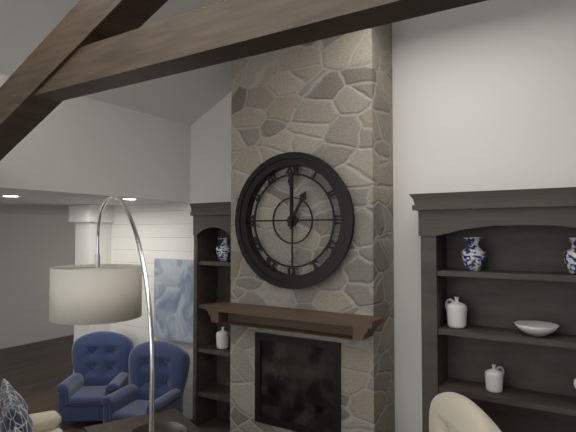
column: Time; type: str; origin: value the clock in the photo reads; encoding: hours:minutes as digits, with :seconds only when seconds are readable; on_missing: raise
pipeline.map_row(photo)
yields 1:00
